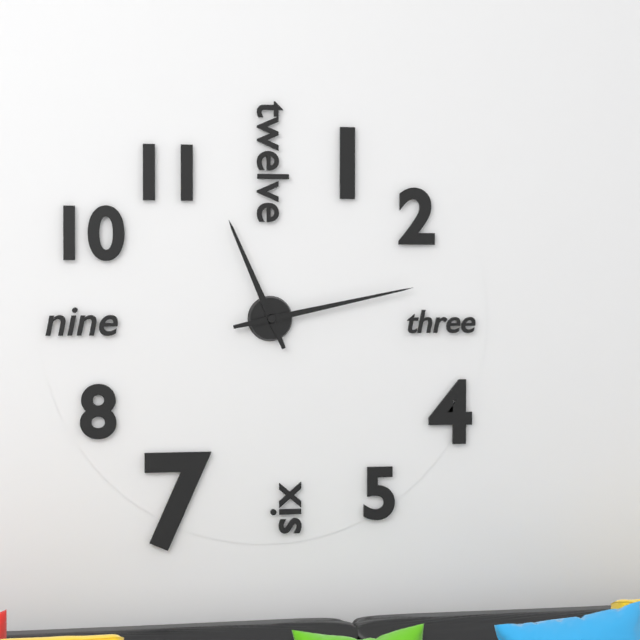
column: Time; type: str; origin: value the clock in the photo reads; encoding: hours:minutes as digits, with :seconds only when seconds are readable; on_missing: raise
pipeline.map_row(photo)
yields 11:13
